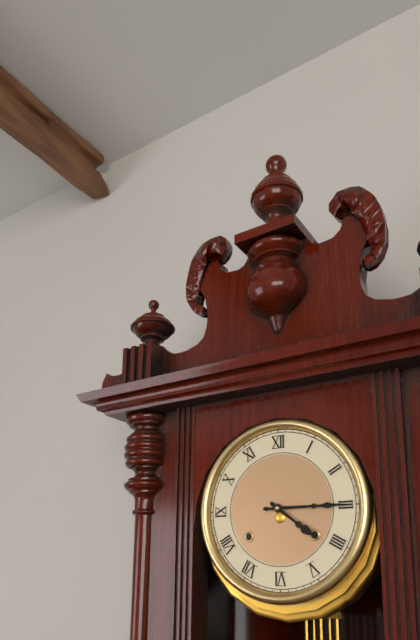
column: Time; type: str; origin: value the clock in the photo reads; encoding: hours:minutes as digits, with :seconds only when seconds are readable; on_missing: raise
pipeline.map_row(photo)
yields 4:15
